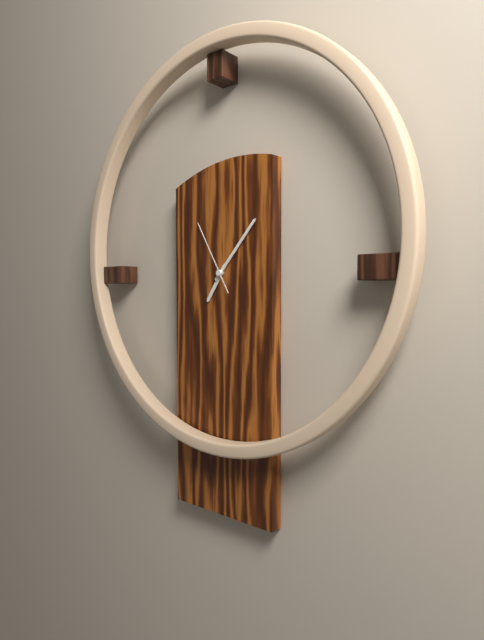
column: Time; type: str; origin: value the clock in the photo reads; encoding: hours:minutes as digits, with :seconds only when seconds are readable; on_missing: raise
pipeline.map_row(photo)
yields 7:07:55
